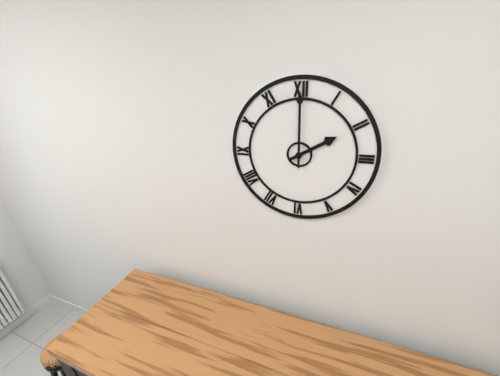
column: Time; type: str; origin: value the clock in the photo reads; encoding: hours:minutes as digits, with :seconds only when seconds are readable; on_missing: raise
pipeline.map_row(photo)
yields 2:00
